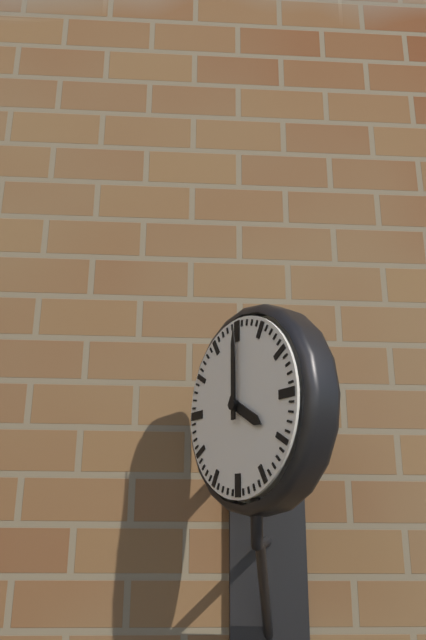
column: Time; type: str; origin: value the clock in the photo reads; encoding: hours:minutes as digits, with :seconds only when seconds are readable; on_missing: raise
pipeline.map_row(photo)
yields 4:00
